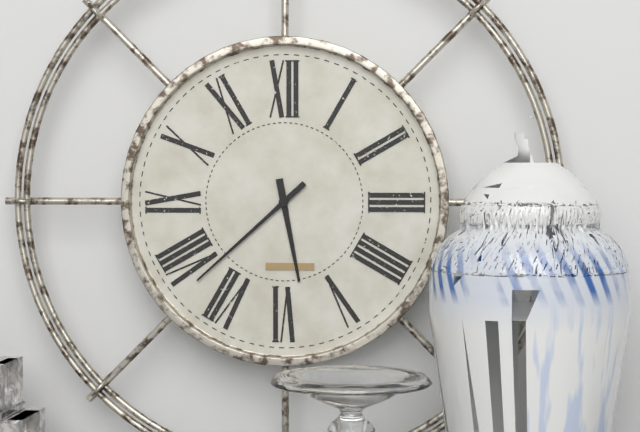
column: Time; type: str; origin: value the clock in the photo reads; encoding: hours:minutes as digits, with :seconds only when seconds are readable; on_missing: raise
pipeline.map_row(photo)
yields 5:38
